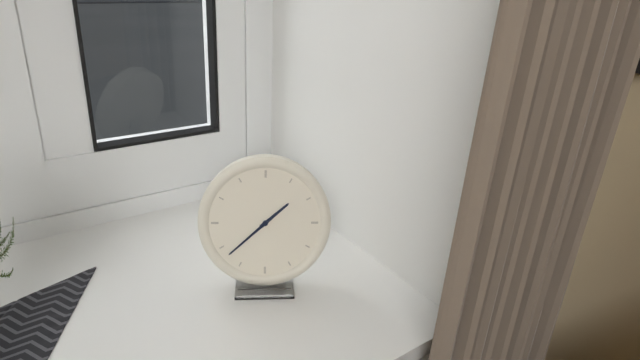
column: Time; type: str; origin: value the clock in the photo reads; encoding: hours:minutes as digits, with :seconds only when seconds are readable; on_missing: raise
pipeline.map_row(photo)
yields 1:38
